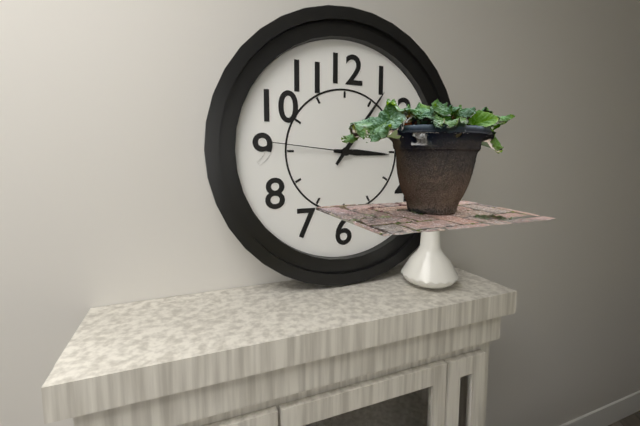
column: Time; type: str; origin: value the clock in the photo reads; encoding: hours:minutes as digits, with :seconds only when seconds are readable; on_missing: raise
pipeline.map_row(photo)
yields 3:06:46
